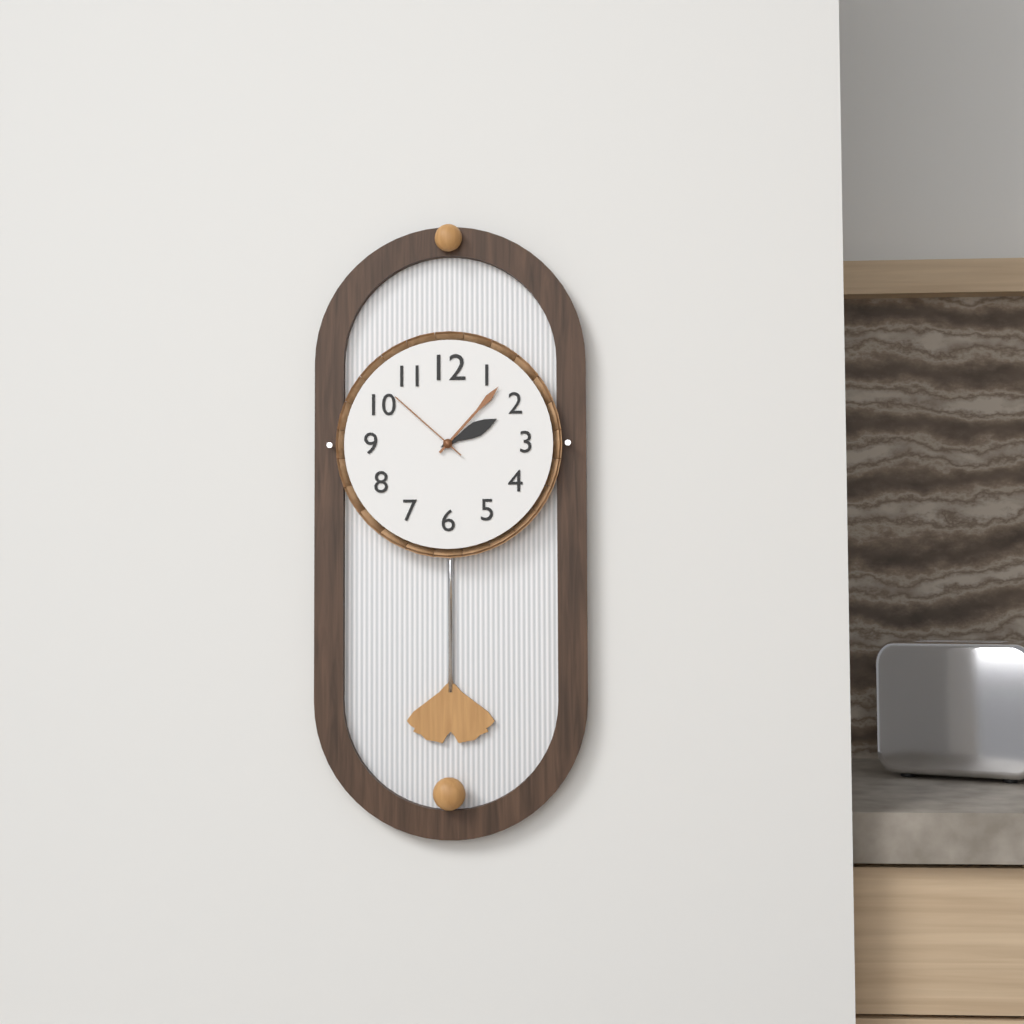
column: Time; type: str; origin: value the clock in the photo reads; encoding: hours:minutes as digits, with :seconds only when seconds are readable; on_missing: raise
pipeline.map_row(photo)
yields 2:07:52
